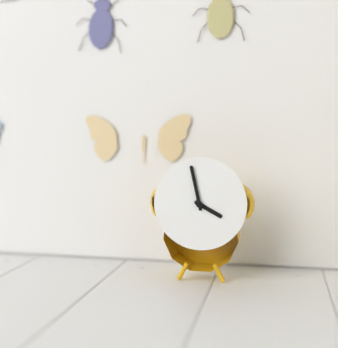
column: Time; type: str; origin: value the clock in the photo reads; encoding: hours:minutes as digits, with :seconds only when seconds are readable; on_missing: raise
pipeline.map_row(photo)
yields 3:58
